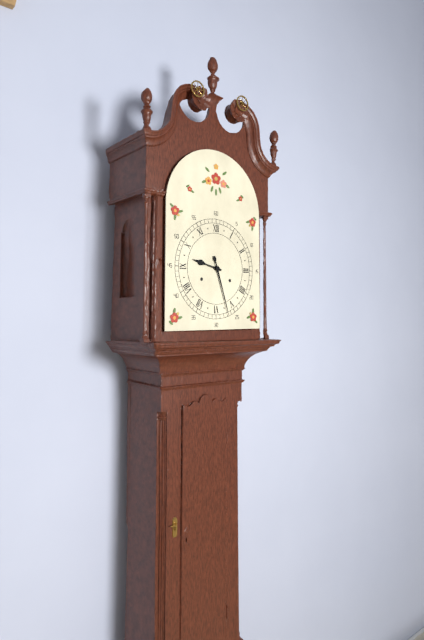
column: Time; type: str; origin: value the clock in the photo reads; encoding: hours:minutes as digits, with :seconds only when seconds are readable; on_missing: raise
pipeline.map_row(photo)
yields 9:27
